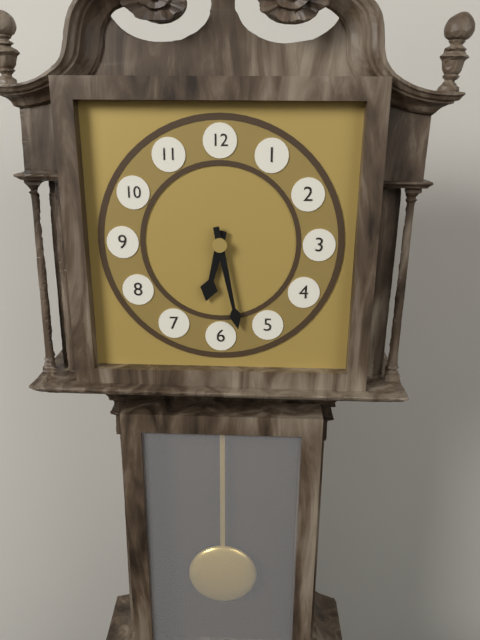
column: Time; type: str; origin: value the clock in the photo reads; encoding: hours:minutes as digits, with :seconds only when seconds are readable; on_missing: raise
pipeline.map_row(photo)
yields 6:28
